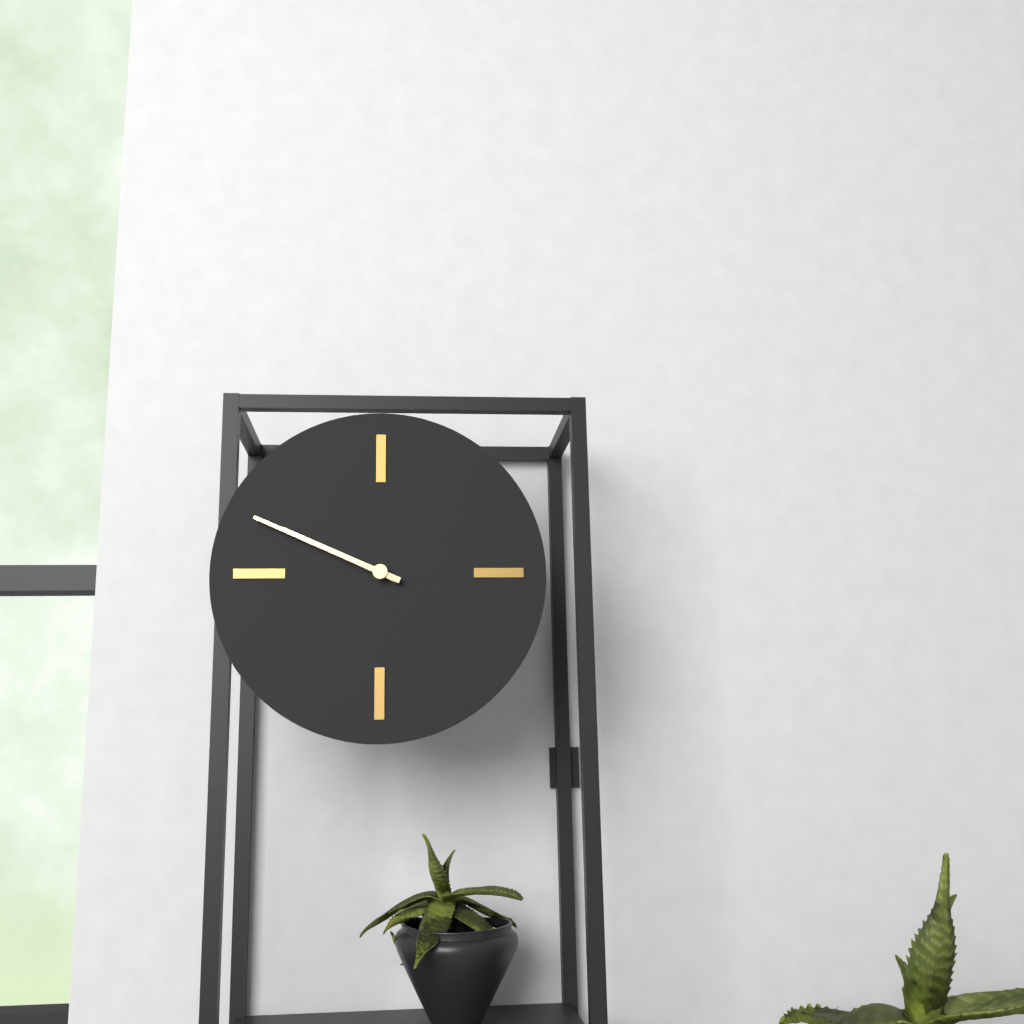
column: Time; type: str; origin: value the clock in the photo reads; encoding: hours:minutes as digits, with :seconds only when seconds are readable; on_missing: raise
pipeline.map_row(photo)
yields 9:49
